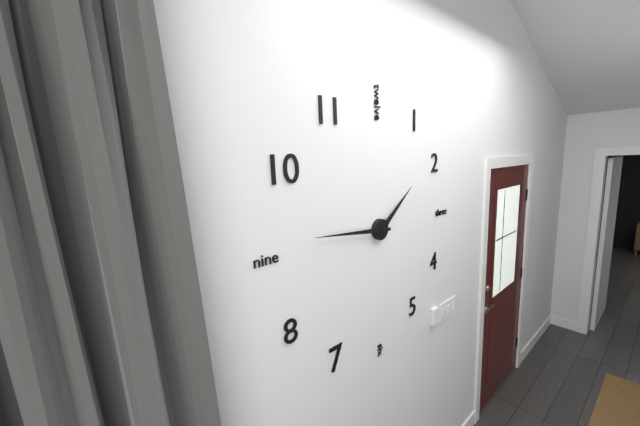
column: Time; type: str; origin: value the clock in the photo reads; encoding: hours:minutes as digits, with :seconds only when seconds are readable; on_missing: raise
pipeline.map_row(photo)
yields 1:46
